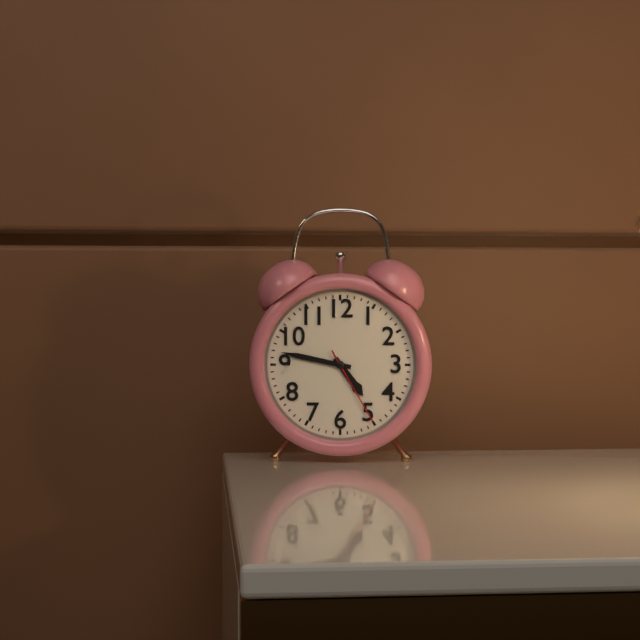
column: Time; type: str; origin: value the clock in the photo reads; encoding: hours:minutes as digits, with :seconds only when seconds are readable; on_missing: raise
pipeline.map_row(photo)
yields 4:47:25
